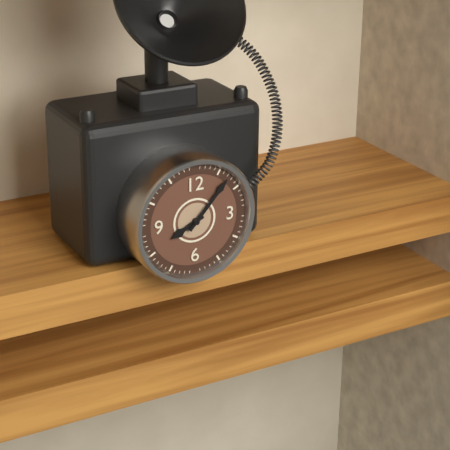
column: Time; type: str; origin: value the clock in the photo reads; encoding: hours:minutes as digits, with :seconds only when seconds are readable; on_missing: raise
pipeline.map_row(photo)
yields 8:07
